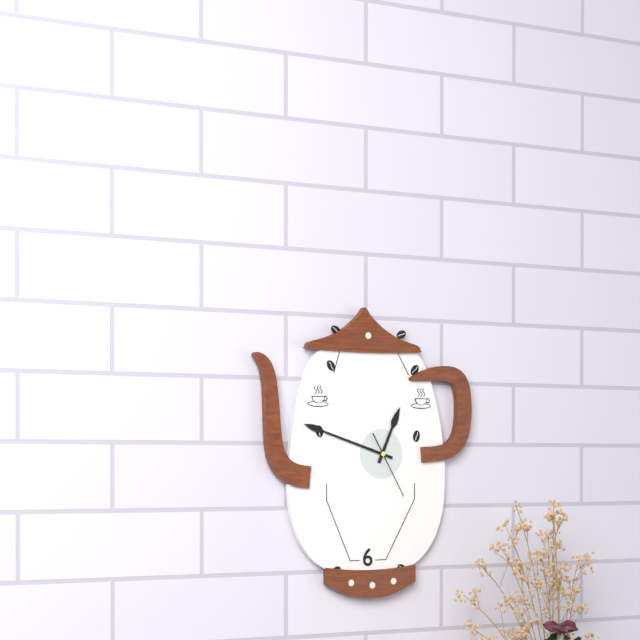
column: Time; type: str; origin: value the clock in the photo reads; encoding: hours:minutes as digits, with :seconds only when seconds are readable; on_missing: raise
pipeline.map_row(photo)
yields 12:48:25
